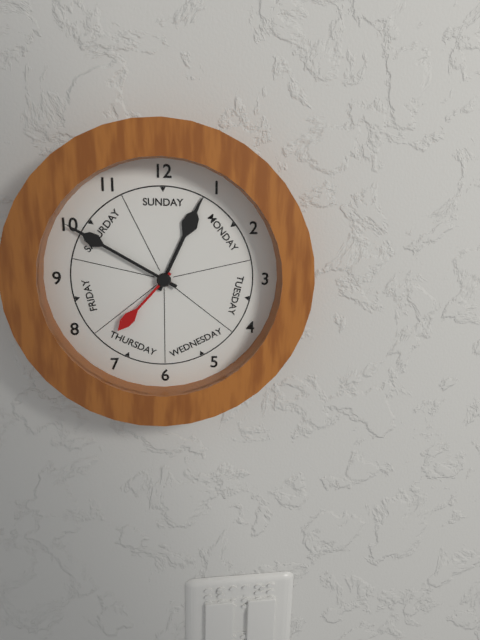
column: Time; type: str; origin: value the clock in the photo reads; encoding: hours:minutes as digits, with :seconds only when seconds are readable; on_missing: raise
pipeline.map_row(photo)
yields 12:50:37
